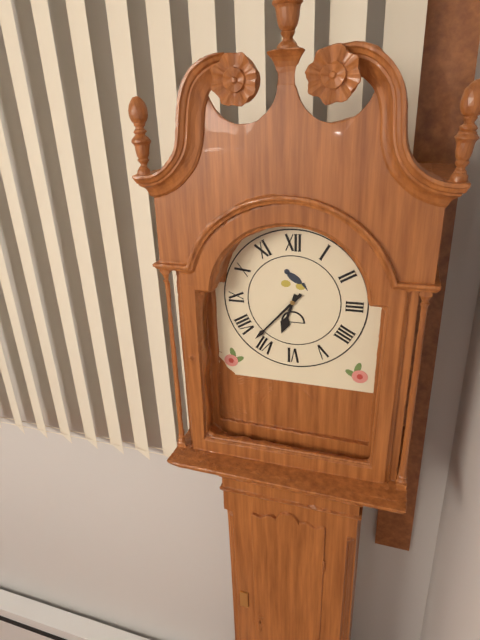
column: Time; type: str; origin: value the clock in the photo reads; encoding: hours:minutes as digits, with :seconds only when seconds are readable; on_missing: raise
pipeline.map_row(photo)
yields 6:37
